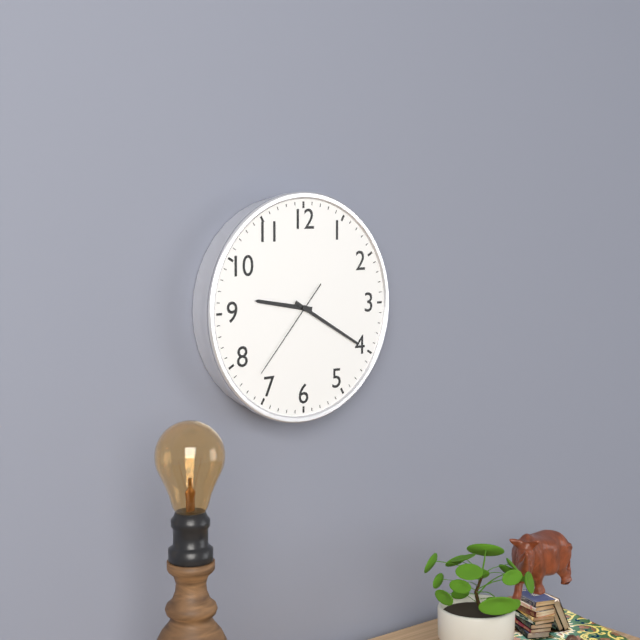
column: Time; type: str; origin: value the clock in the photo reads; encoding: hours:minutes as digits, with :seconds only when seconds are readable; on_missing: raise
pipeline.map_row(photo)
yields 9:20:37
